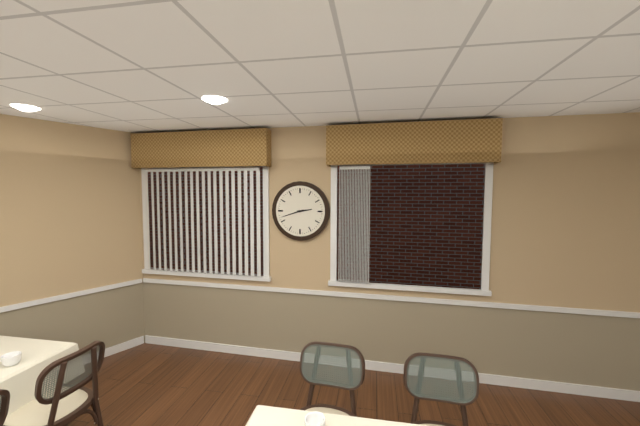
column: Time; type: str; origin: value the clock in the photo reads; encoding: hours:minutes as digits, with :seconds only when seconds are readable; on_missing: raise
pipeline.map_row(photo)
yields 2:42
